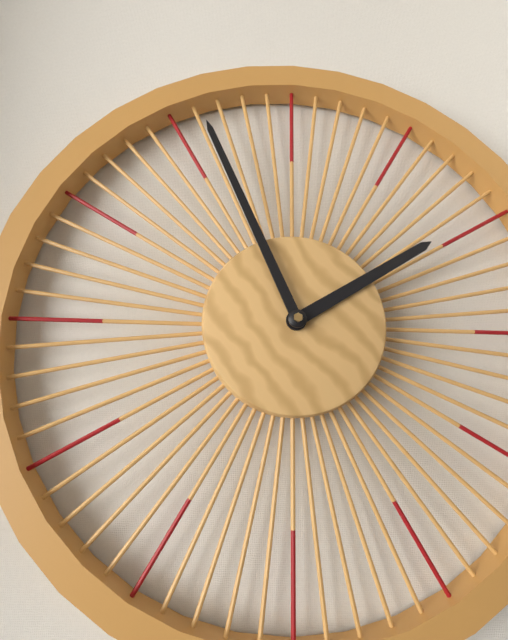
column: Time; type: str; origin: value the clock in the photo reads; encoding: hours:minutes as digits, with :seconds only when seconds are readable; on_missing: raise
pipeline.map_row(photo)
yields 1:56
